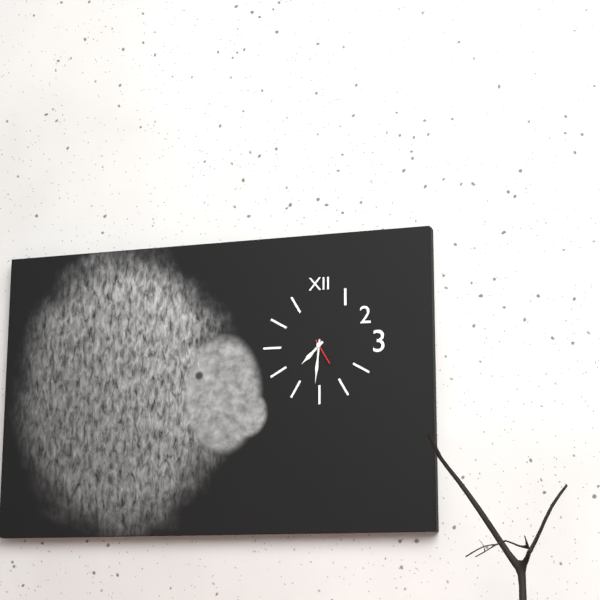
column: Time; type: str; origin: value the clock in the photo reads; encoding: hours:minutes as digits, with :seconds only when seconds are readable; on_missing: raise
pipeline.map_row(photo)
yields 7:31
